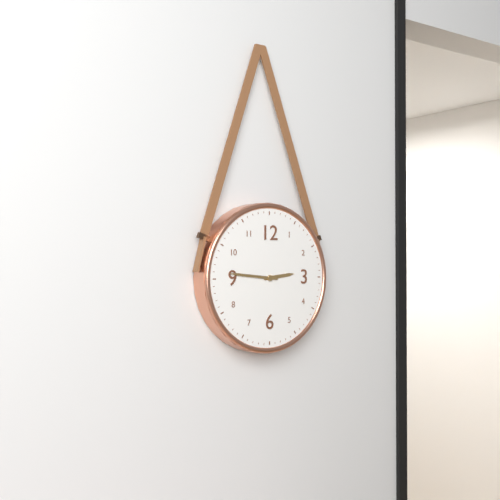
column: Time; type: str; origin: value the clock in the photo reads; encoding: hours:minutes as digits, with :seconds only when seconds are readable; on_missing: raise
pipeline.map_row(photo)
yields 2:46
